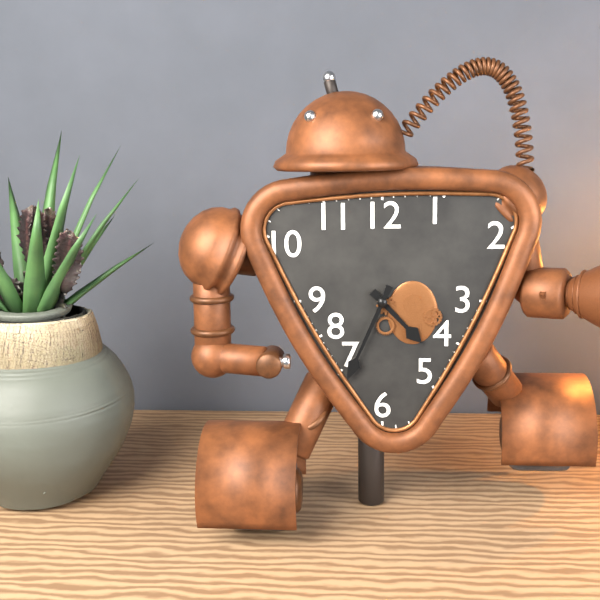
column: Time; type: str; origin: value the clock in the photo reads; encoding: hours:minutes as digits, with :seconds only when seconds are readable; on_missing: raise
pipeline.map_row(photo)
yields 4:34
